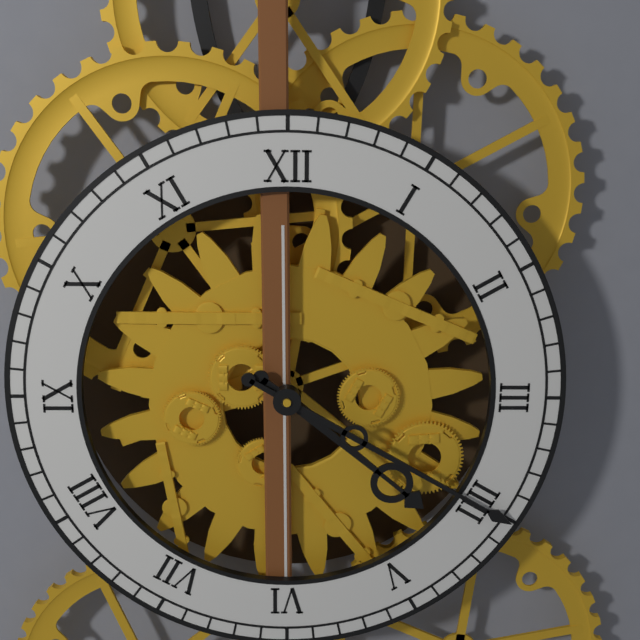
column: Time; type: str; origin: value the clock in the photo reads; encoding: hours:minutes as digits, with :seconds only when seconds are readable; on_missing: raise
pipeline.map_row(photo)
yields 4:20
